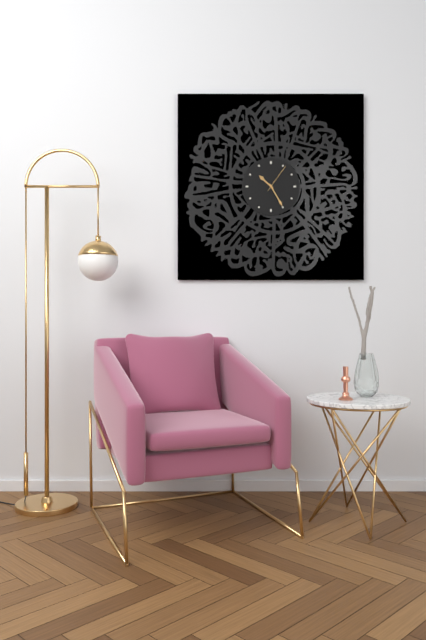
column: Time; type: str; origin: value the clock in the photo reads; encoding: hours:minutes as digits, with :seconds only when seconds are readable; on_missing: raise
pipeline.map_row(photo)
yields 10:25
